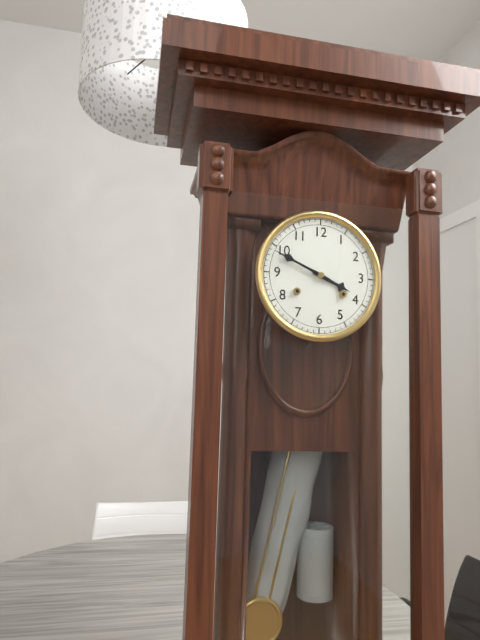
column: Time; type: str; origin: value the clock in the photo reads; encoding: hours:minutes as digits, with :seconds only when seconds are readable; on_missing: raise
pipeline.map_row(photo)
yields 3:49
